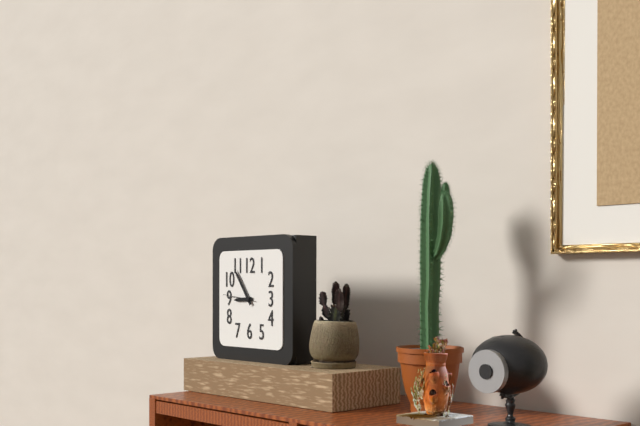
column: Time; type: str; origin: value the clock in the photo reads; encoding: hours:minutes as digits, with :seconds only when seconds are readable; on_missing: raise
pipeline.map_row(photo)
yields 8:54
